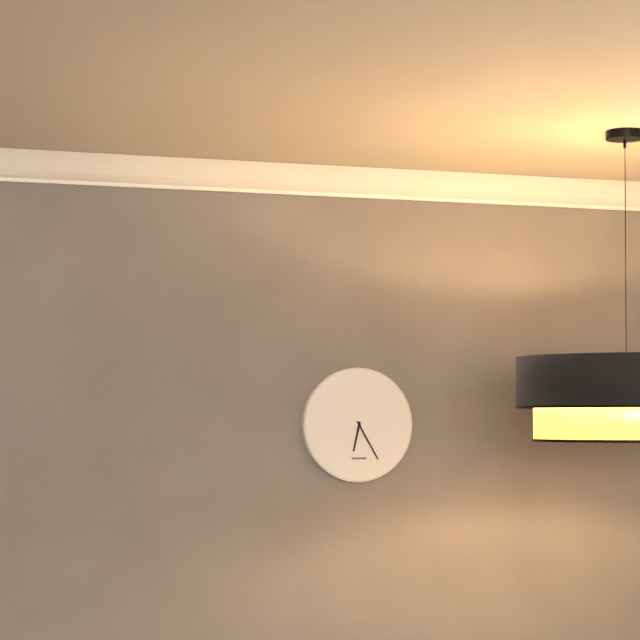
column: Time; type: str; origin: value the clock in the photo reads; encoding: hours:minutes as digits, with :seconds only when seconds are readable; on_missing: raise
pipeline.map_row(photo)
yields 6:25
